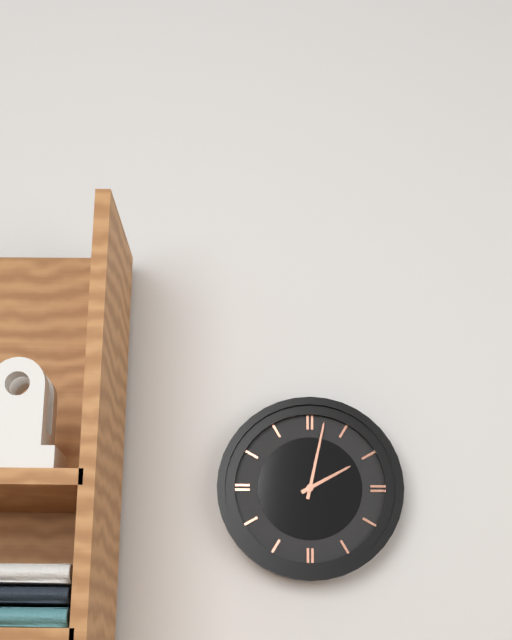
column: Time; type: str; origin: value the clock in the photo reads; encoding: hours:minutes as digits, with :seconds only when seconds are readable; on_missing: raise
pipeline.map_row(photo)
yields 2:02
